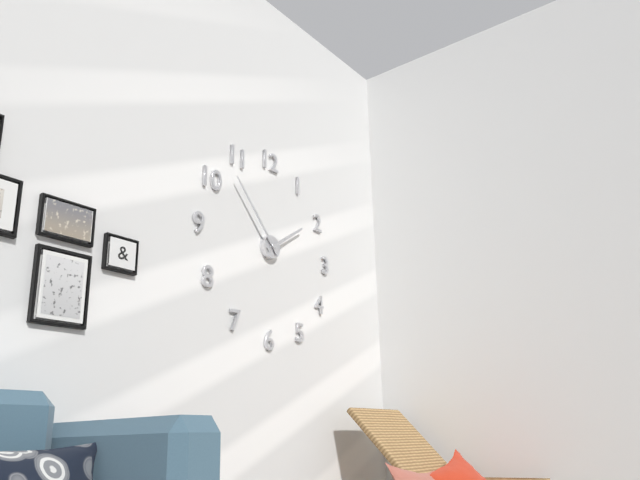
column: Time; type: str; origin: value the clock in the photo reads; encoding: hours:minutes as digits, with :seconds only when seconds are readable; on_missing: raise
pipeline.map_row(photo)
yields 1:53
